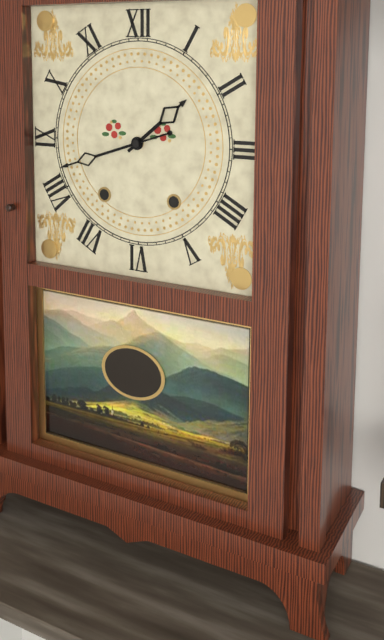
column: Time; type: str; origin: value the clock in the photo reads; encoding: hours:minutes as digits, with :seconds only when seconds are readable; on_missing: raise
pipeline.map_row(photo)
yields 1:42
